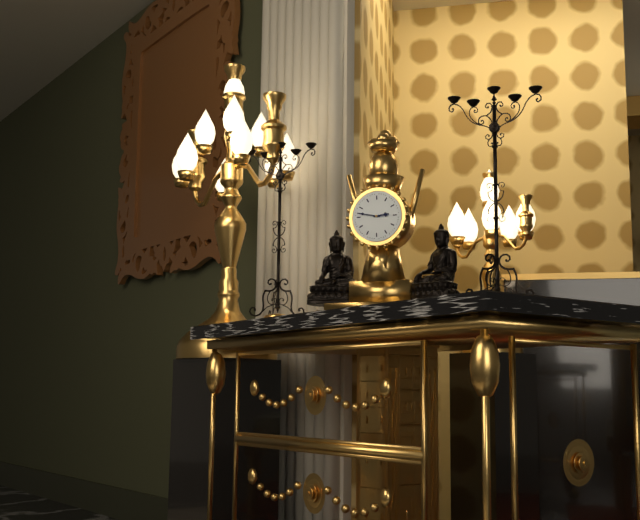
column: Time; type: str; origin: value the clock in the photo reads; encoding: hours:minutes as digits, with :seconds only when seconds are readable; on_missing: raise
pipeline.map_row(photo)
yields 2:47
